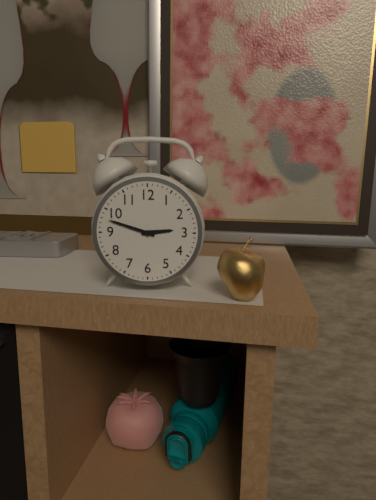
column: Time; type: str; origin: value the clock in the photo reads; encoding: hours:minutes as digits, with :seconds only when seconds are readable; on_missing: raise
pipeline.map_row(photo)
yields 2:48
